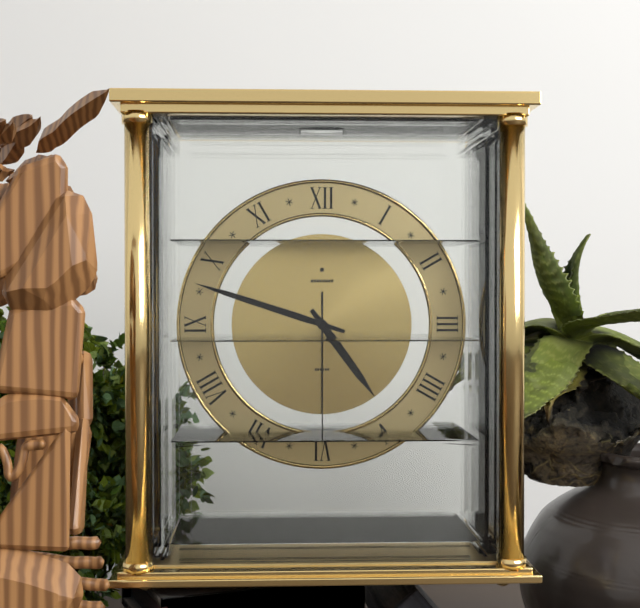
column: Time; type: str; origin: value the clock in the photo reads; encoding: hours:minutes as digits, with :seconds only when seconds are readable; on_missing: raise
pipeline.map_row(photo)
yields 4:48:30
